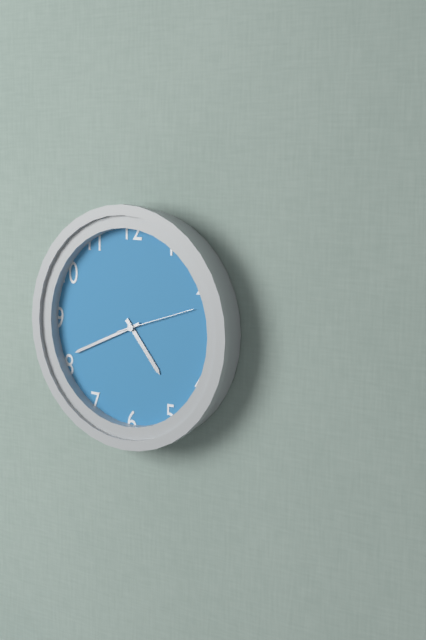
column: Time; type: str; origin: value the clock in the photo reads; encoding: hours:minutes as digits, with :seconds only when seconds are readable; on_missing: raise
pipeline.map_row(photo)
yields 4:41:12
